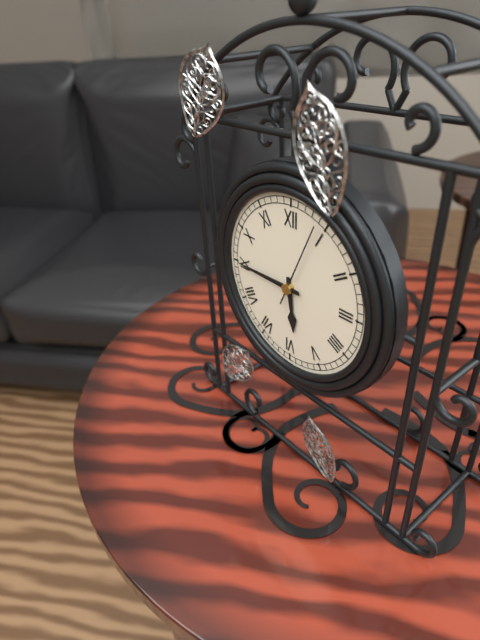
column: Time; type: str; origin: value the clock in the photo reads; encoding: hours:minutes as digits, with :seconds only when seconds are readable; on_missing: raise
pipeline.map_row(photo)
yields 5:45:04
